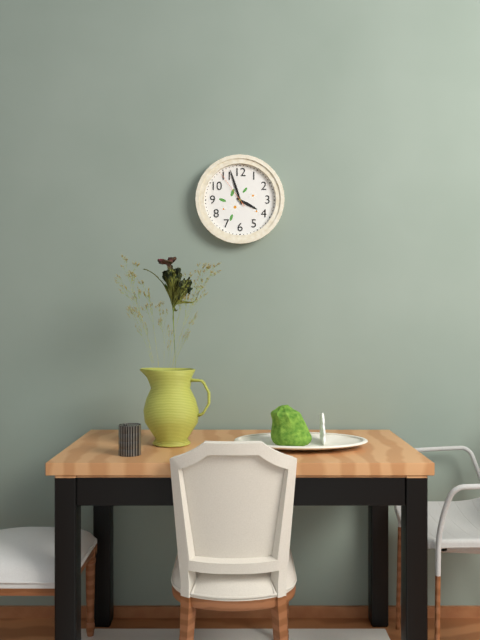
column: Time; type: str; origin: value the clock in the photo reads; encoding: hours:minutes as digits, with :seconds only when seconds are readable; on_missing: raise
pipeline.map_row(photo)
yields 3:57
